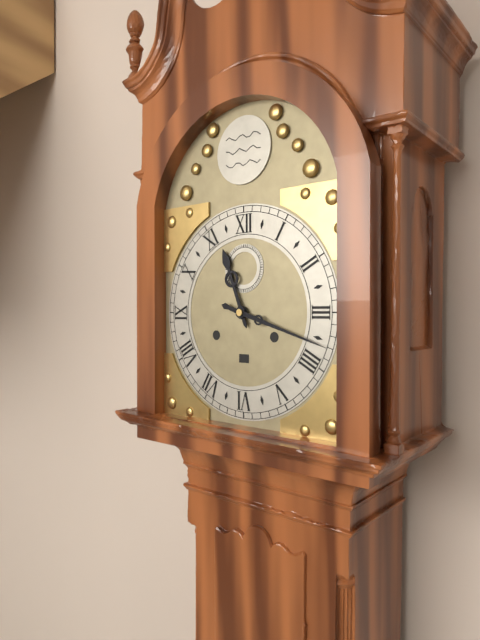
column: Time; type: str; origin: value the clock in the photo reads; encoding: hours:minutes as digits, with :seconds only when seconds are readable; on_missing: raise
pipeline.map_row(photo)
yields 11:18
